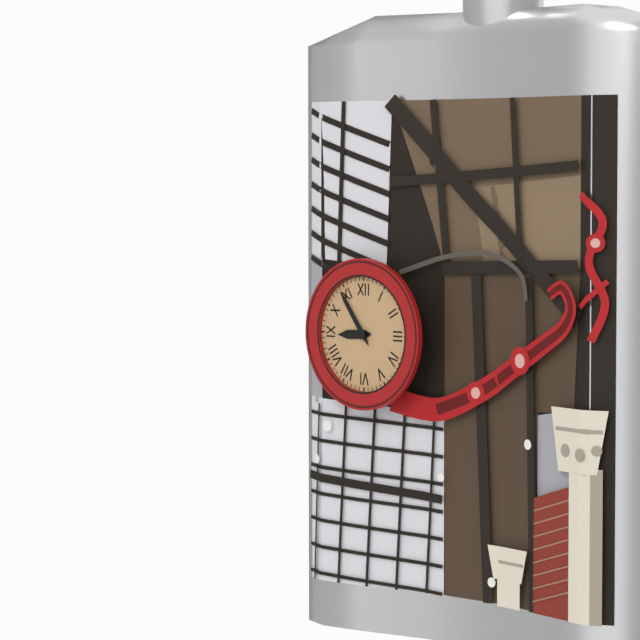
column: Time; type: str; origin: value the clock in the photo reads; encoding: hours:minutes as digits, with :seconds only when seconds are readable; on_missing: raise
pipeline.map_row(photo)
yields 8:54
